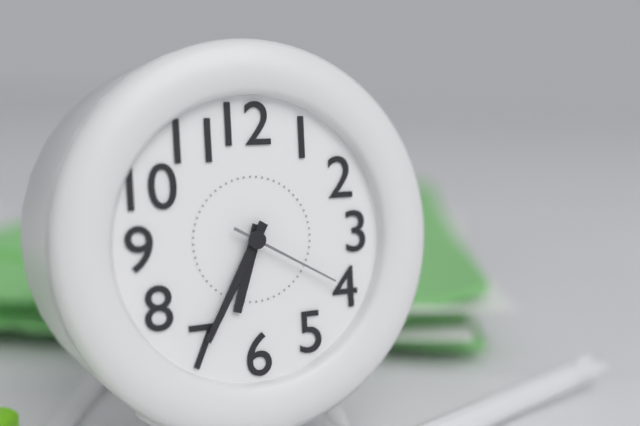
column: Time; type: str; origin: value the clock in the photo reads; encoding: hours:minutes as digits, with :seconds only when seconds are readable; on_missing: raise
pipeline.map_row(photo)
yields 6:35:20
